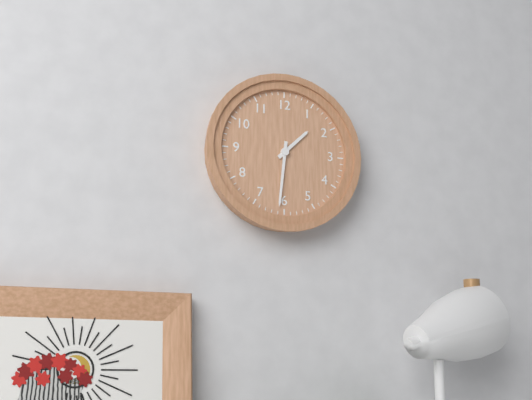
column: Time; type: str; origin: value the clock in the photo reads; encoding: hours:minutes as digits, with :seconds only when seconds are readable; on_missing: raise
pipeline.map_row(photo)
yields 1:31
